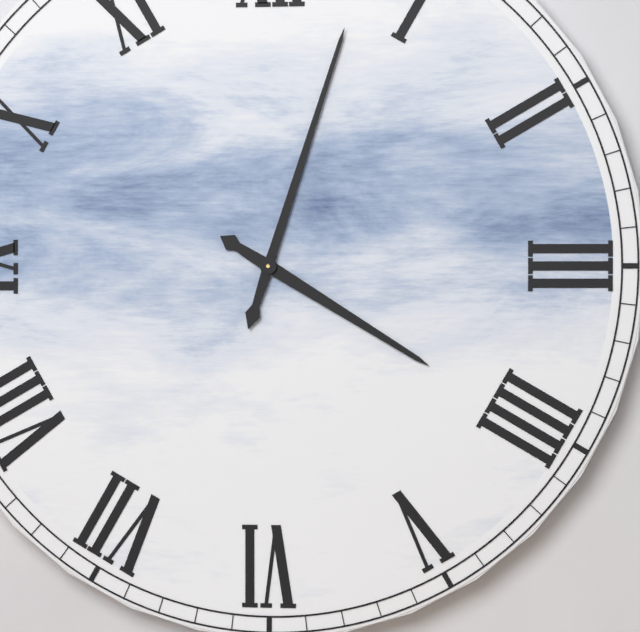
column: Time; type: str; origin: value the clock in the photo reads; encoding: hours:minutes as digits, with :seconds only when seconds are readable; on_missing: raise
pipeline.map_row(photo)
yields 4:03
